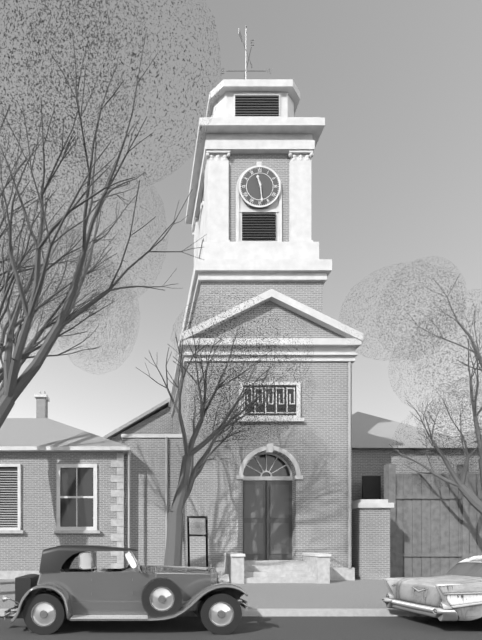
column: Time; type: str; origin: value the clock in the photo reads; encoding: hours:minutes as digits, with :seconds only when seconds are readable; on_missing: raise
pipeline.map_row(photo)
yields 11:29
